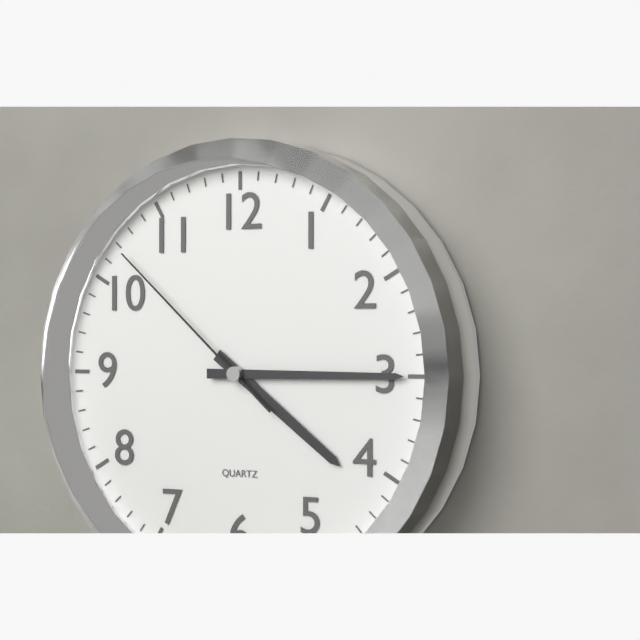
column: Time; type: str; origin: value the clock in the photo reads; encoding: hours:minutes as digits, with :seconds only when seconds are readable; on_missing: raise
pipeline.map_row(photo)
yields 4:15:52
